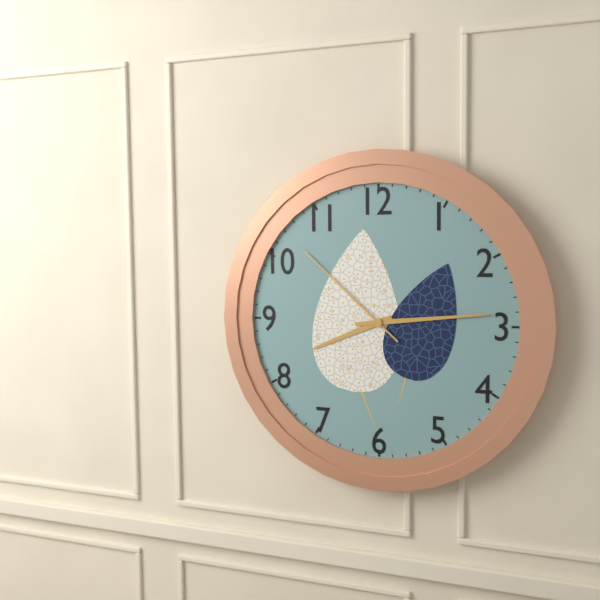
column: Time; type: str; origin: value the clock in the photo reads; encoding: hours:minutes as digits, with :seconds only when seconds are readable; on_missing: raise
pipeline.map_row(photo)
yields 8:14:52
